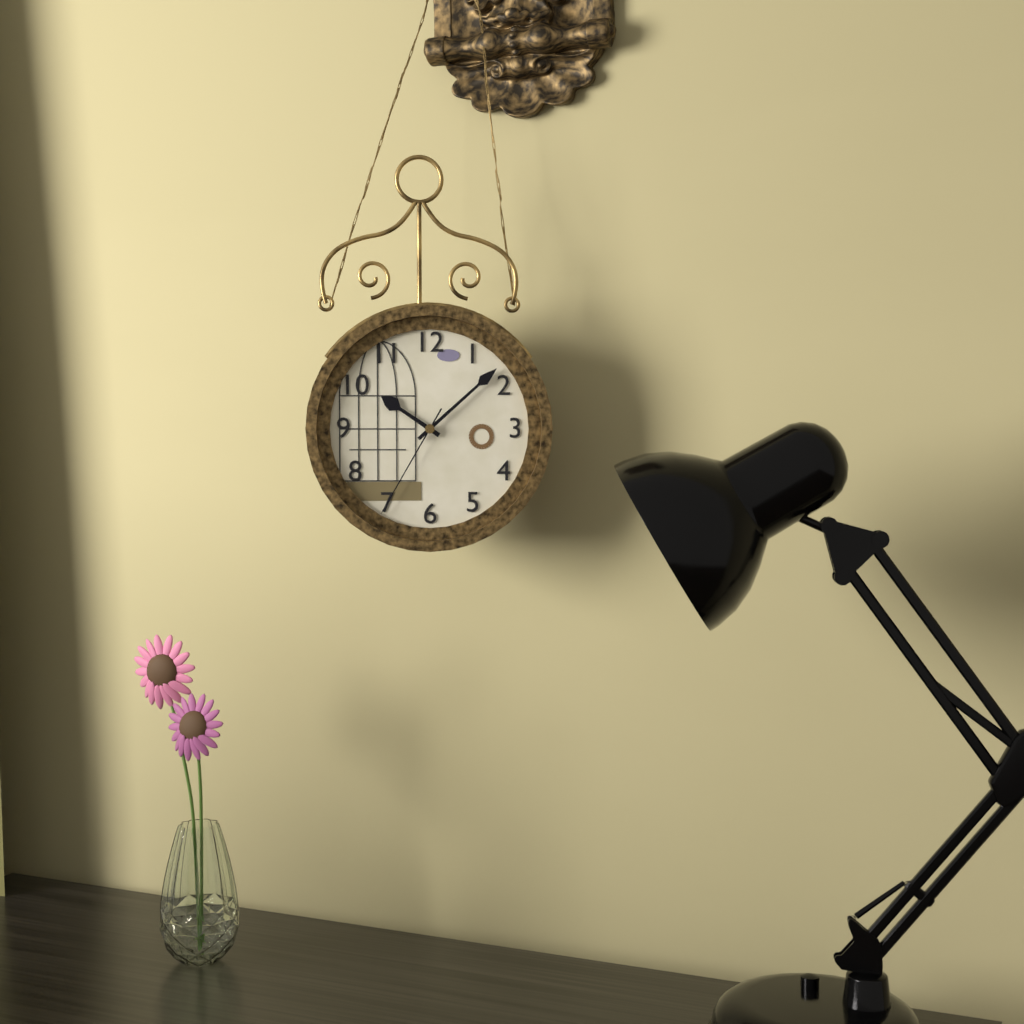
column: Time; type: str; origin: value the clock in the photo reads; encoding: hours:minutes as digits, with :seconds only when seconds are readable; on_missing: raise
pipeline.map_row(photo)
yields 10:08:35
